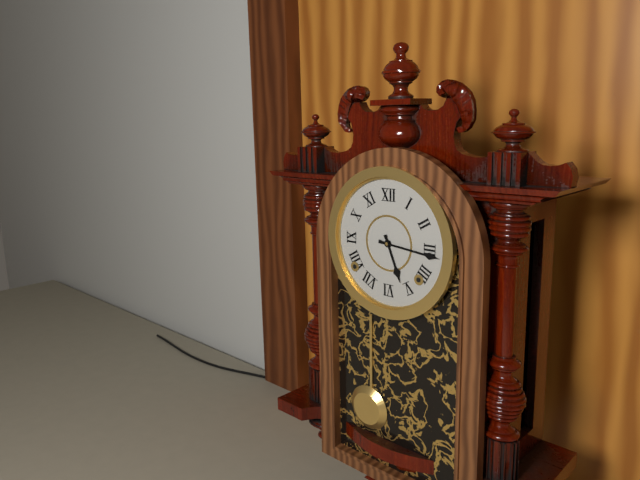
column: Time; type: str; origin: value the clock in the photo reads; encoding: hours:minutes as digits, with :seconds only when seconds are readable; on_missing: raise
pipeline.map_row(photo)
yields 5:16
